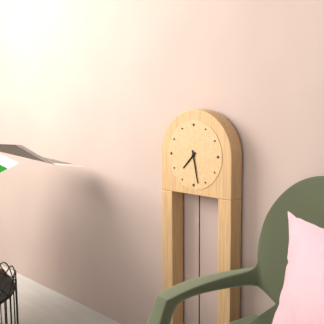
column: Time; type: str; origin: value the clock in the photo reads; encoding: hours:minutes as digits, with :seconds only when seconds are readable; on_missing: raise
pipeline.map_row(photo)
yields 7:28
